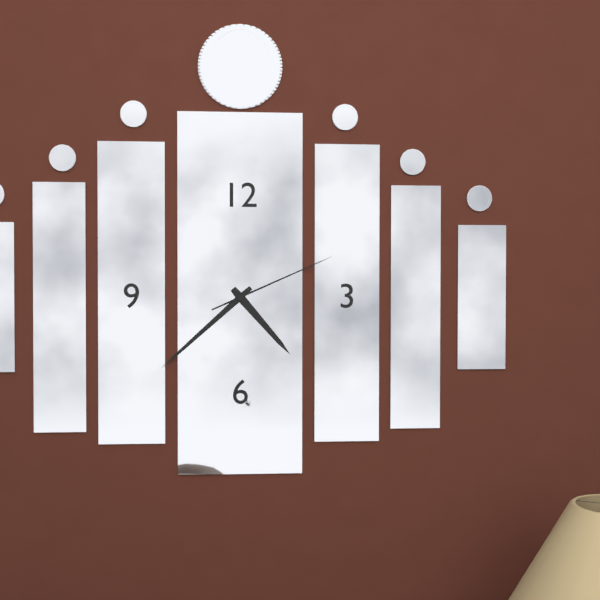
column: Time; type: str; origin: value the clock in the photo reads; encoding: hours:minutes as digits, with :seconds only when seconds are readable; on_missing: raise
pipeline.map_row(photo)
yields 4:38:11
